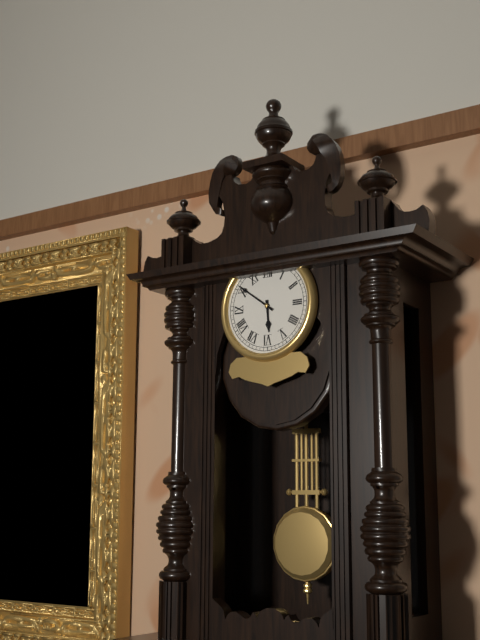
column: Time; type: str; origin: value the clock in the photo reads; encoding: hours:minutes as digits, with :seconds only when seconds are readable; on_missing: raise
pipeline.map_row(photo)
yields 5:51
